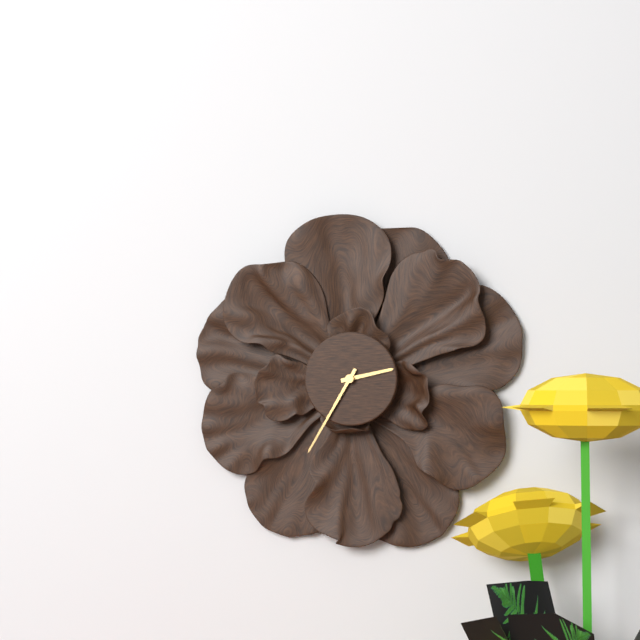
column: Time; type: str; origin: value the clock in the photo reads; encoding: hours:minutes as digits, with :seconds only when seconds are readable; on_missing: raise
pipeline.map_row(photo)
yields 2:35
